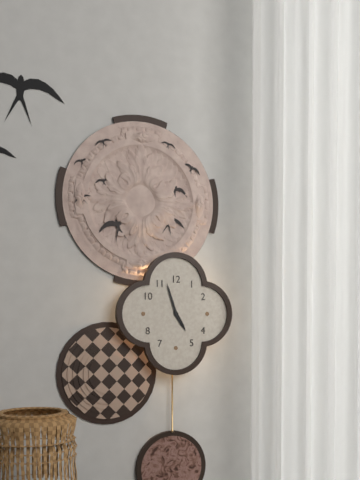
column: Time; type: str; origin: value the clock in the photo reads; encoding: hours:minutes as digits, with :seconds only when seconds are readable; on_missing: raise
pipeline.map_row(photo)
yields 4:57
